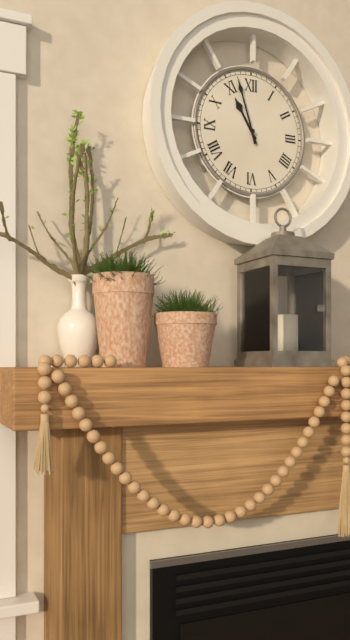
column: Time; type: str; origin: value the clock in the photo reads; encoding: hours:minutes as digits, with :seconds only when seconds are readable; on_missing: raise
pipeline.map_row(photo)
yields 10:57
